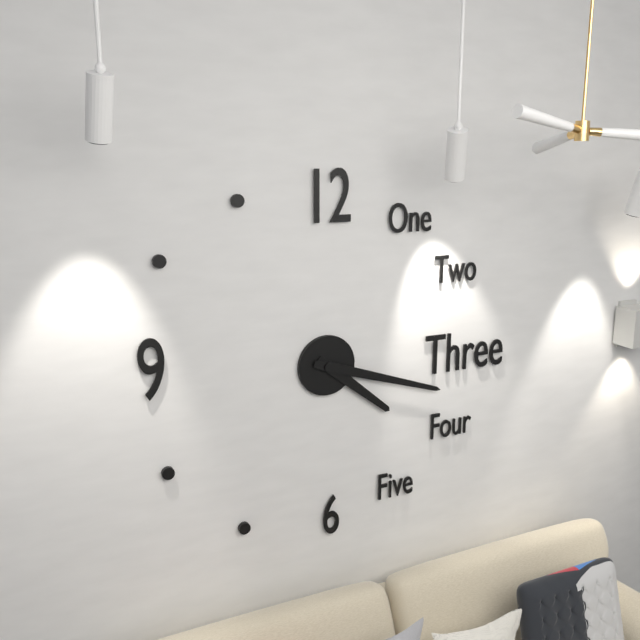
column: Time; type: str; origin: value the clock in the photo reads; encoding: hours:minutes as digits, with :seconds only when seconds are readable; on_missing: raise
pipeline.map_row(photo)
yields 4:18
